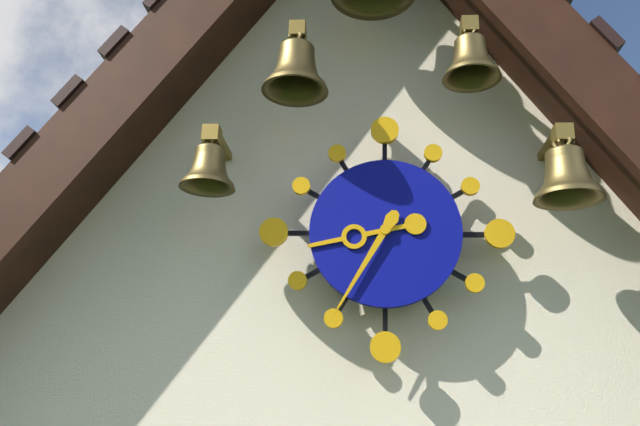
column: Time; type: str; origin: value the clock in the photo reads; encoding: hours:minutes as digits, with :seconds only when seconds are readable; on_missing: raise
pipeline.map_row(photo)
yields 8:35
